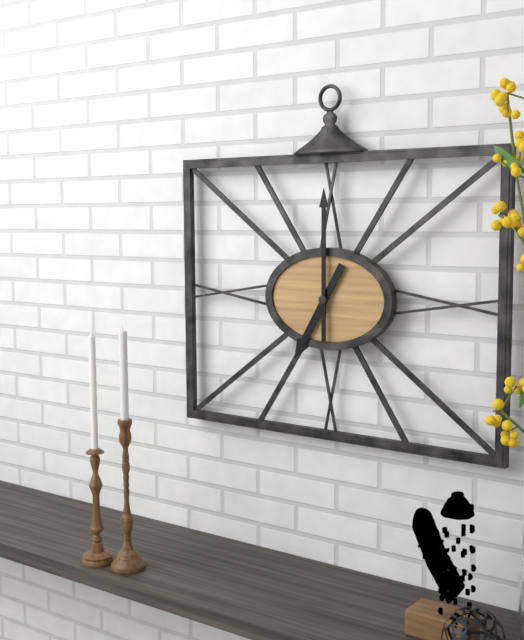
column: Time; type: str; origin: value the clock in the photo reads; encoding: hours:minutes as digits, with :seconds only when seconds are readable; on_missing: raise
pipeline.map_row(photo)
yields 7:00
